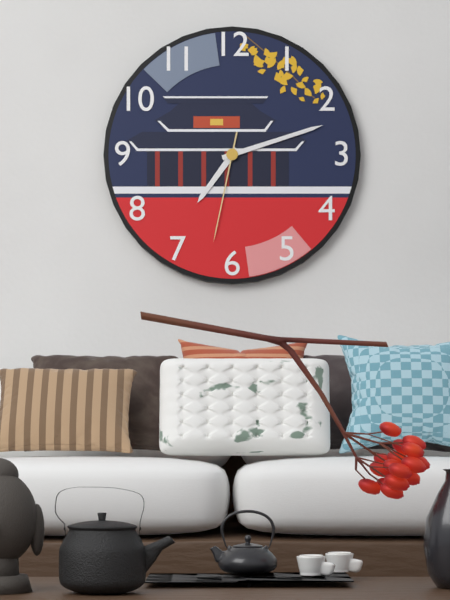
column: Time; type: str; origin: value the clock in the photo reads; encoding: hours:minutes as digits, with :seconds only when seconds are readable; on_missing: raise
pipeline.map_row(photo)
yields 7:12:32
